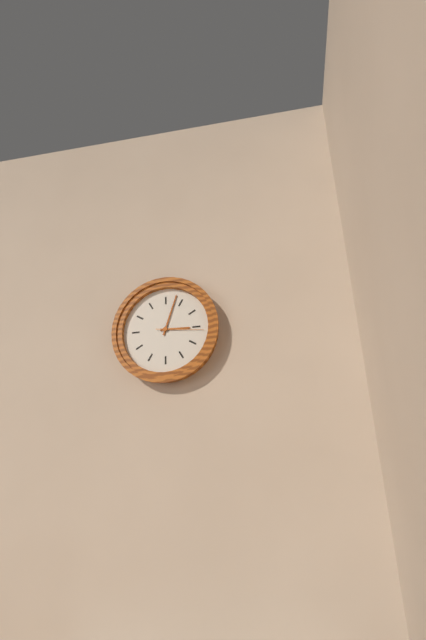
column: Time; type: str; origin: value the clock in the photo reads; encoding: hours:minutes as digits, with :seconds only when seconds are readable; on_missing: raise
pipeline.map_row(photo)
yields 3:03
